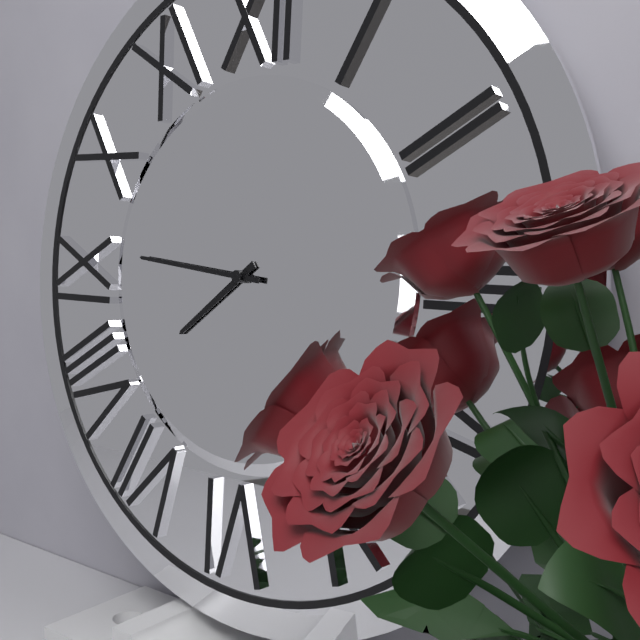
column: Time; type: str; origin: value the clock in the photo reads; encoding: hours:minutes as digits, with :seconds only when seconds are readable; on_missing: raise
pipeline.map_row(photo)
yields 7:46
